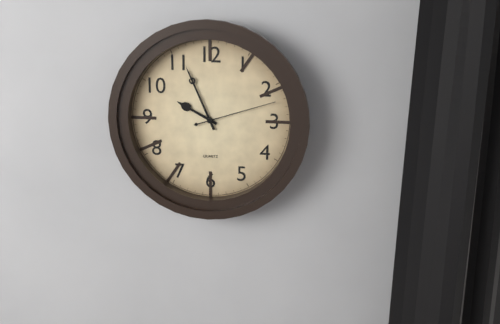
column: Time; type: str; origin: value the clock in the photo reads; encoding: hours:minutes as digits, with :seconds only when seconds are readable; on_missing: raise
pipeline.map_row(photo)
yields 9:56:12
